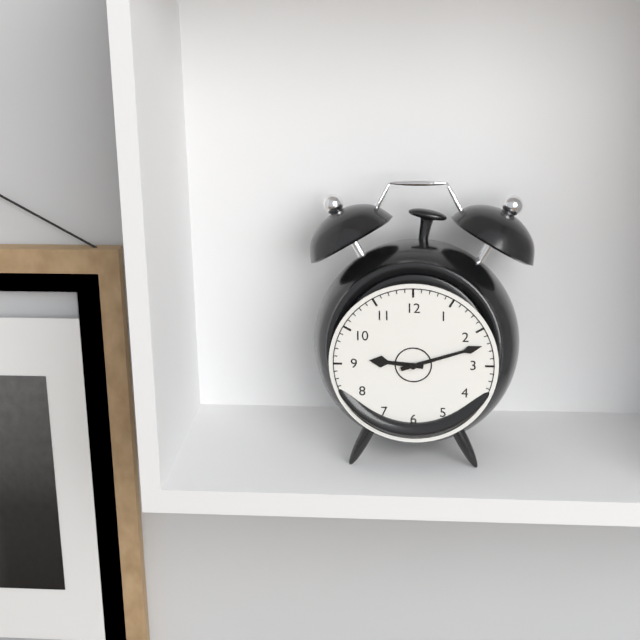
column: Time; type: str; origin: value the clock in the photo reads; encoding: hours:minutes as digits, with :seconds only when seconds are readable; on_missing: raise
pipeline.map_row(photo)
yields 9:12
